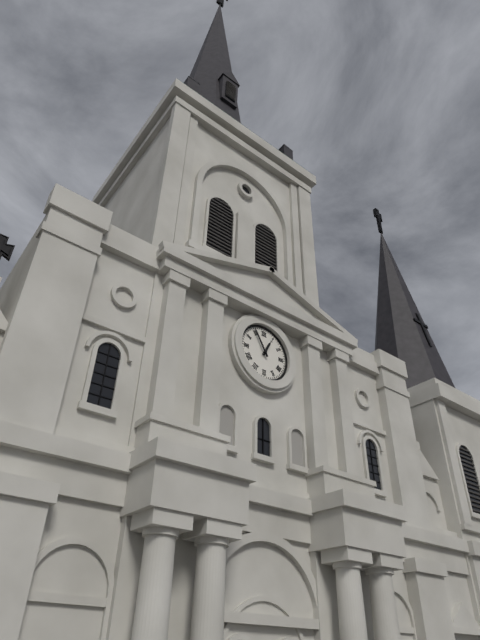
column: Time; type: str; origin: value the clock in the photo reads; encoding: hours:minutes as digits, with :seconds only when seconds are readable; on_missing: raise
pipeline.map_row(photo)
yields 12:55
